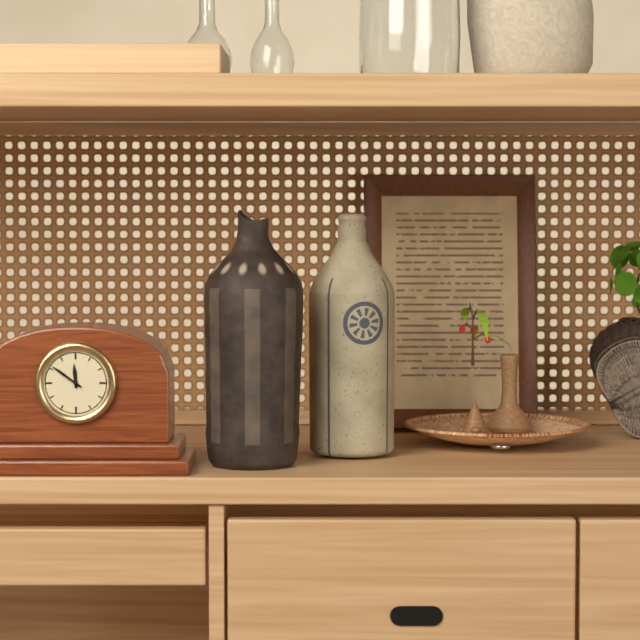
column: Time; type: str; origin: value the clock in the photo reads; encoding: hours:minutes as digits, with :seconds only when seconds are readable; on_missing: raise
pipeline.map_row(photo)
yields 11:51
